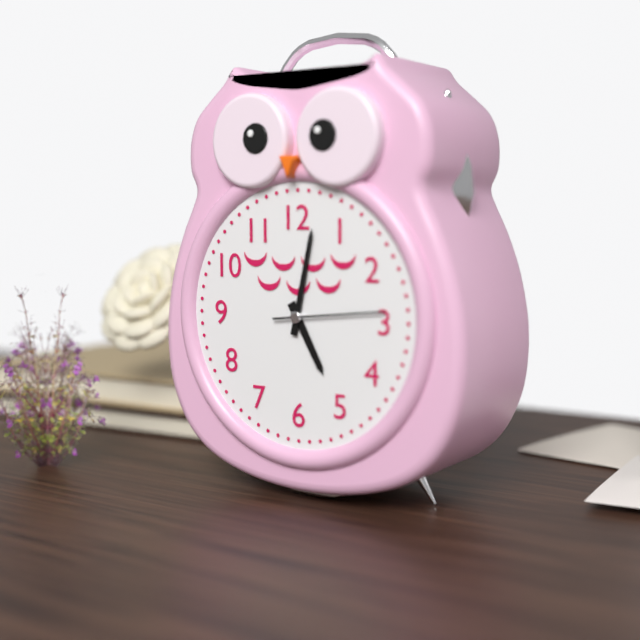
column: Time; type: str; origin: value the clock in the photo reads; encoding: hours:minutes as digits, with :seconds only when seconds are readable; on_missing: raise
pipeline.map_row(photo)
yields 5:02:14
